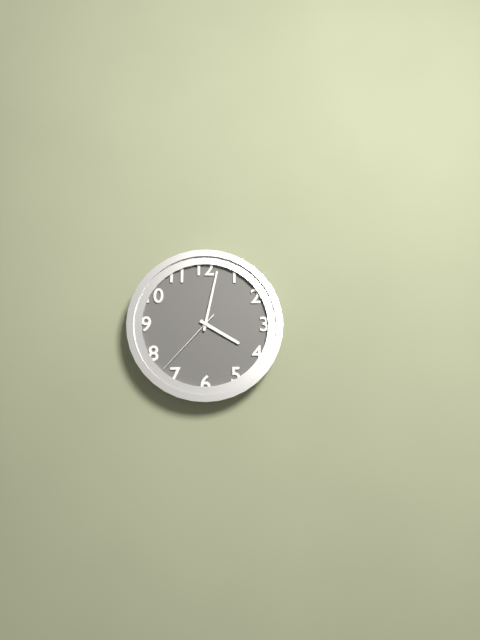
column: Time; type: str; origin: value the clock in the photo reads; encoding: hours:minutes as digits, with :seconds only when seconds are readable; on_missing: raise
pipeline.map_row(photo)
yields 4:02:37
